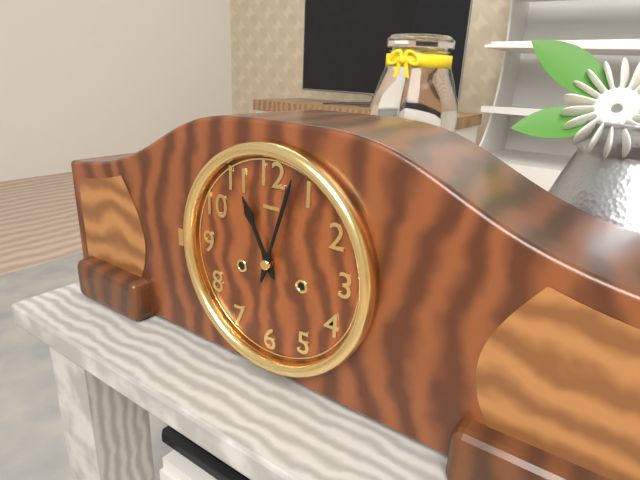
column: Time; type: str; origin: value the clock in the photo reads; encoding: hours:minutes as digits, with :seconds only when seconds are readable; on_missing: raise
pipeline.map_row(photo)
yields 11:03
